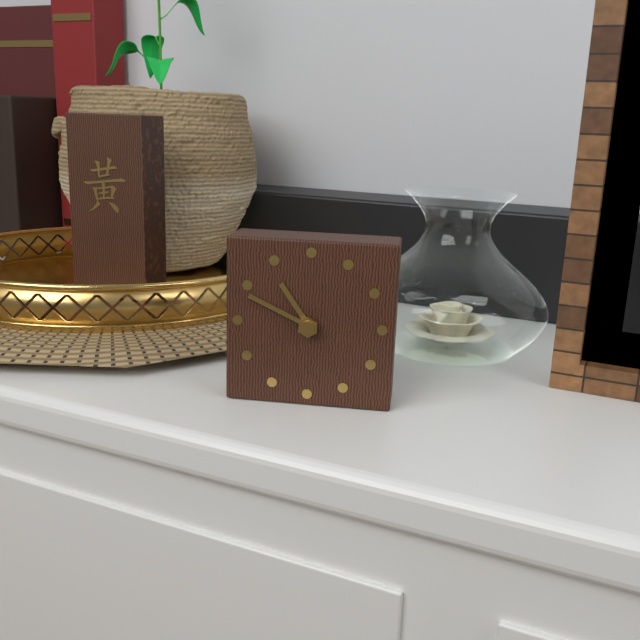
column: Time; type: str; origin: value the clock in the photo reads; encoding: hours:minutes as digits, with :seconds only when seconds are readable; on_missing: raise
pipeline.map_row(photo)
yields 10:49
